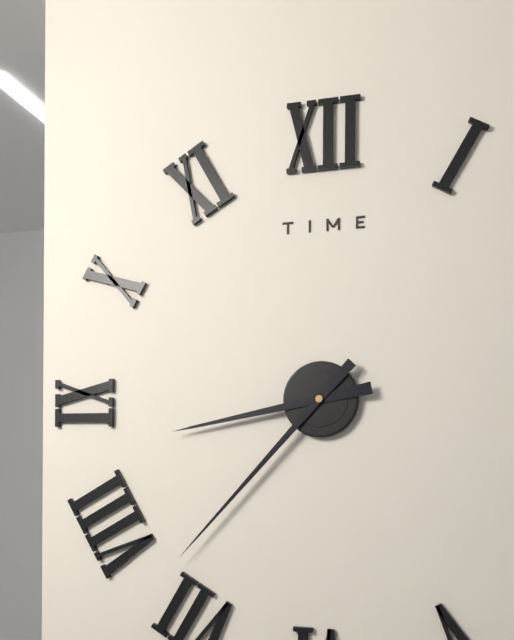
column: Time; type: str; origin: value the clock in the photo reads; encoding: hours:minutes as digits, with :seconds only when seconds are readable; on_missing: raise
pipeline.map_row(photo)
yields 8:37
